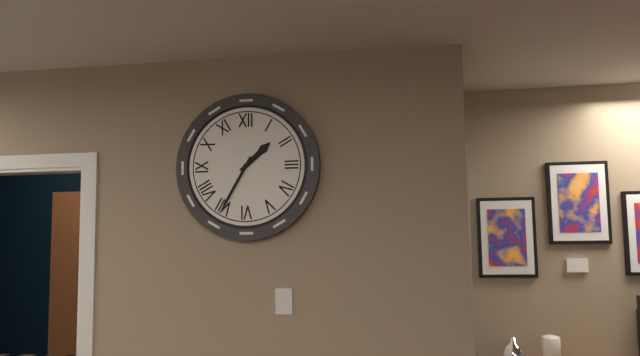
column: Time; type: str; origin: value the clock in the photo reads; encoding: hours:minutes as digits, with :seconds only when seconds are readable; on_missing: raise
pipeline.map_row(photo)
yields 1:35
